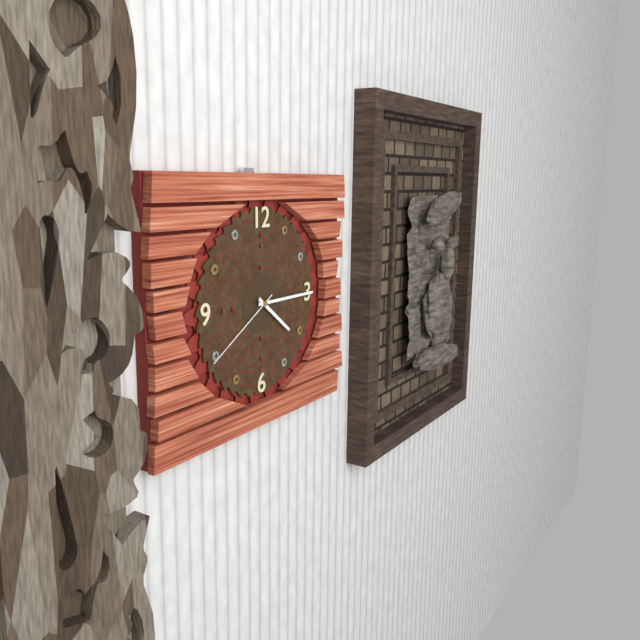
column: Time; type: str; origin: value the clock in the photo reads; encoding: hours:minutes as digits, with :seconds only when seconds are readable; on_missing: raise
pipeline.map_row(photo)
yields 4:15:40
